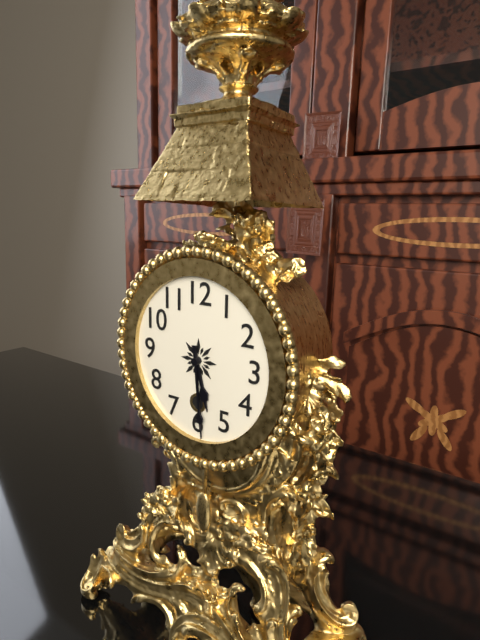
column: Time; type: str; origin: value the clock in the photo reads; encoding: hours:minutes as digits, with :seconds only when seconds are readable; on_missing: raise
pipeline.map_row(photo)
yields 5:29
